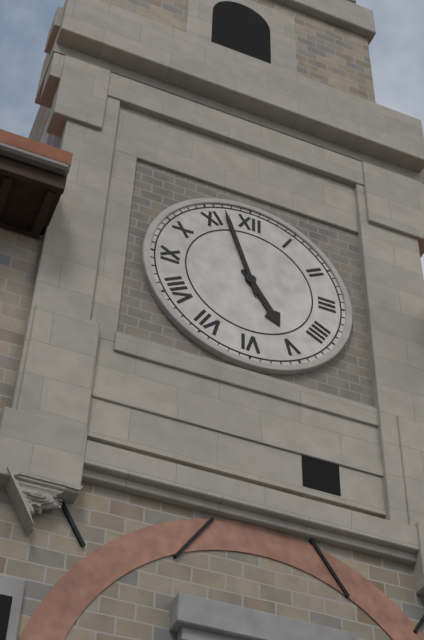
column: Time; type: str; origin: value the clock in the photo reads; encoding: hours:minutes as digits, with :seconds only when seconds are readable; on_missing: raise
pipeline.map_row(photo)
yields 4:57
